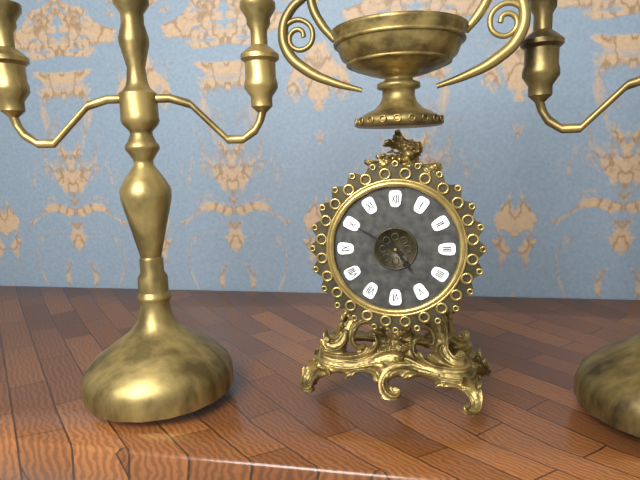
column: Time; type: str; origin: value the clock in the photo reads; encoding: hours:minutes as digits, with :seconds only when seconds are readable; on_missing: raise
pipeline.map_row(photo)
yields 4:50
